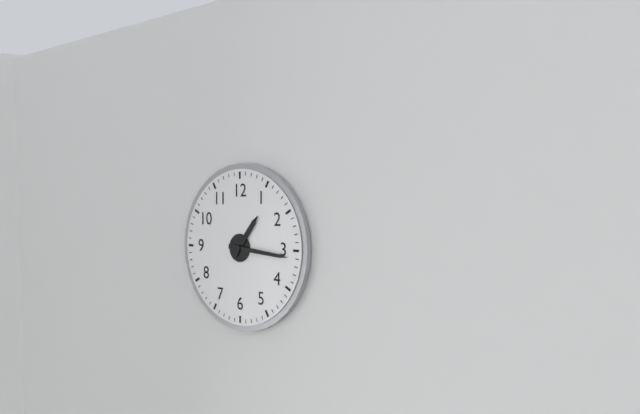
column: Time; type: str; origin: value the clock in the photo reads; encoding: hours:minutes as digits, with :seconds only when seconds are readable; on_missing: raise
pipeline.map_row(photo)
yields 1:16
